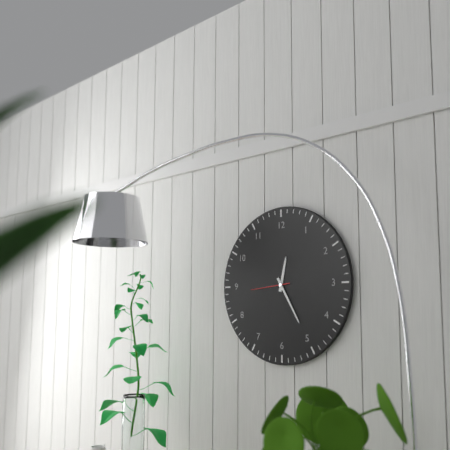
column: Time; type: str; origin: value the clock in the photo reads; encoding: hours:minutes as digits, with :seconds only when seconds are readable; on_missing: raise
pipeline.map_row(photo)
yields 12:25
